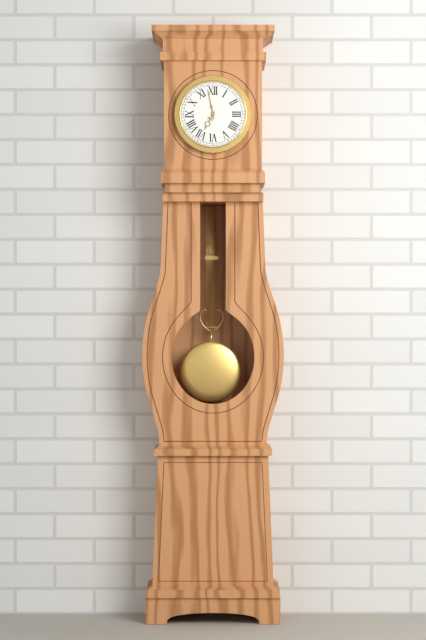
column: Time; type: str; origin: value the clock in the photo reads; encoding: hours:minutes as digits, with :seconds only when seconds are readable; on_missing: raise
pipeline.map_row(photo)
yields 6:58
